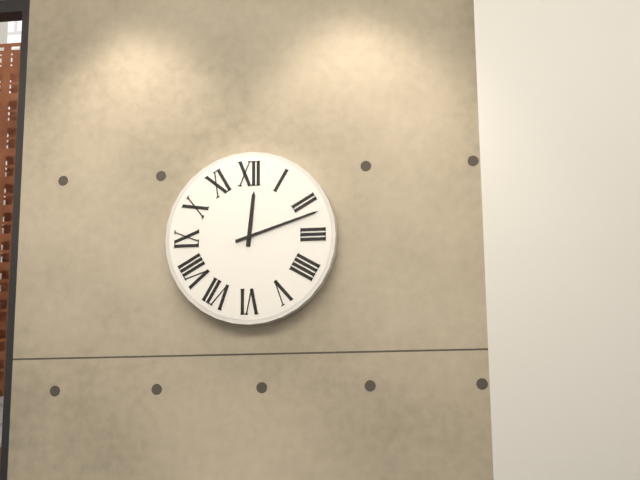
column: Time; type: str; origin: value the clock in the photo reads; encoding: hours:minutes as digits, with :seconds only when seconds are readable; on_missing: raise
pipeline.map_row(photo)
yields 12:12
